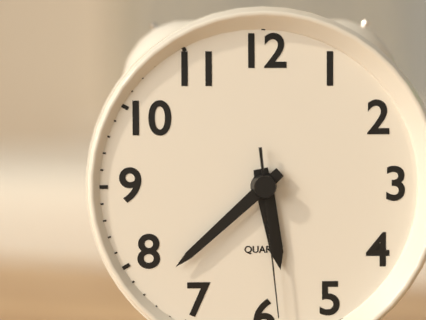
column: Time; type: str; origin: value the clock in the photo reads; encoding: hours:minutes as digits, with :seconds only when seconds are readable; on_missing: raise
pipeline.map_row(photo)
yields 5:38:29
